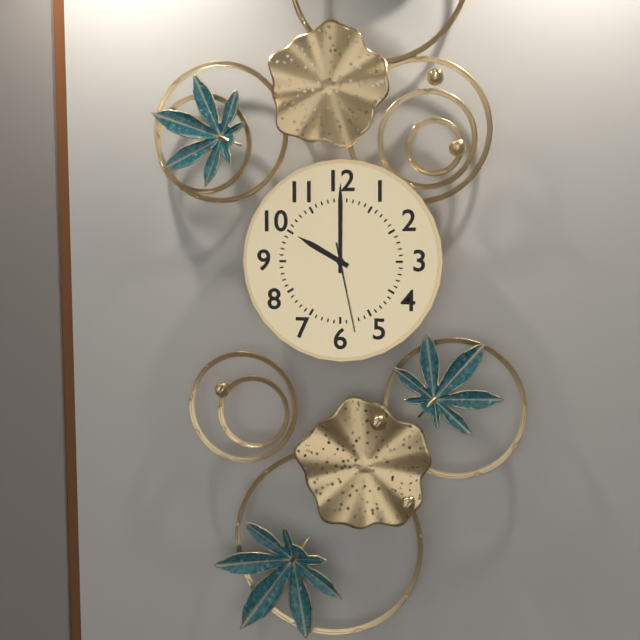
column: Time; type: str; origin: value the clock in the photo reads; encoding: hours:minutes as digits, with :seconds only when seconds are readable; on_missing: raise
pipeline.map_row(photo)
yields 10:00:28
